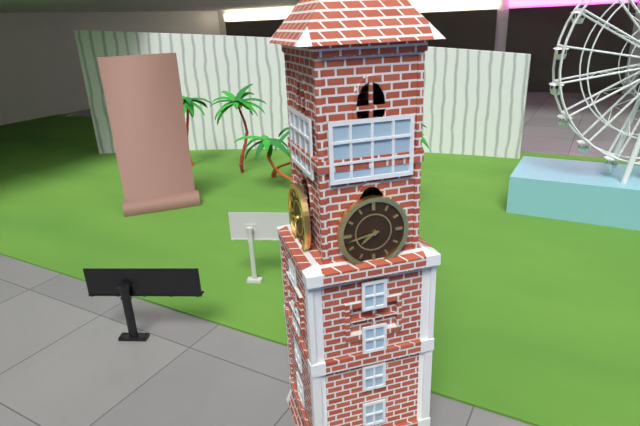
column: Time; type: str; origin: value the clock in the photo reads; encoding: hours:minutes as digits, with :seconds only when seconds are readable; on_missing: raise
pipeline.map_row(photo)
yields 7:43
